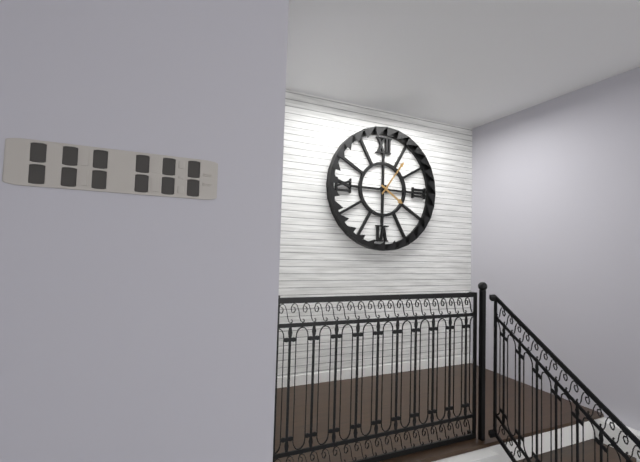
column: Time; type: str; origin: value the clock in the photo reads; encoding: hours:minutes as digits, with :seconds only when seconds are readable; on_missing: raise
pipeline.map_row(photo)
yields 4:06
